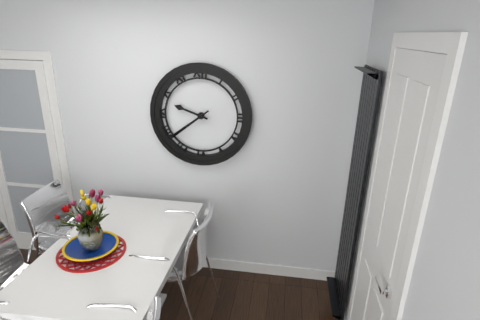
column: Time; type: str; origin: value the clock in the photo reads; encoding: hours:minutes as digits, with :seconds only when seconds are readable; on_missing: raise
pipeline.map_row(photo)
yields 9:39
